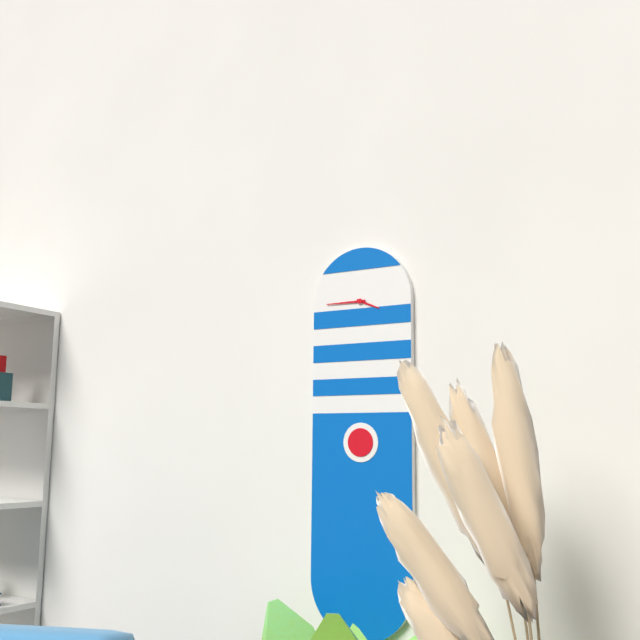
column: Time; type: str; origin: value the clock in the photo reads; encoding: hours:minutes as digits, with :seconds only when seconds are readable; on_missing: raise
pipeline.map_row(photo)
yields 3:45
